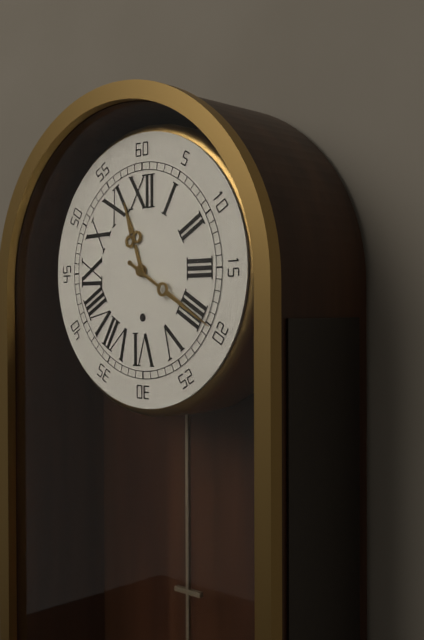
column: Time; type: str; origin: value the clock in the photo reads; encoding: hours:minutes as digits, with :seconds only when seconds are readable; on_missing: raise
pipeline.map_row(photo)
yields 11:20
